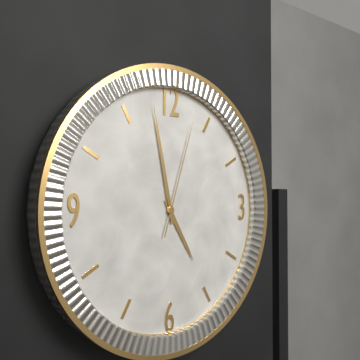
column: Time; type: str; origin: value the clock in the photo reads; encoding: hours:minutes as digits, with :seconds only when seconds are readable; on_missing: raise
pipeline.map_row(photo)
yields 4:58:03
